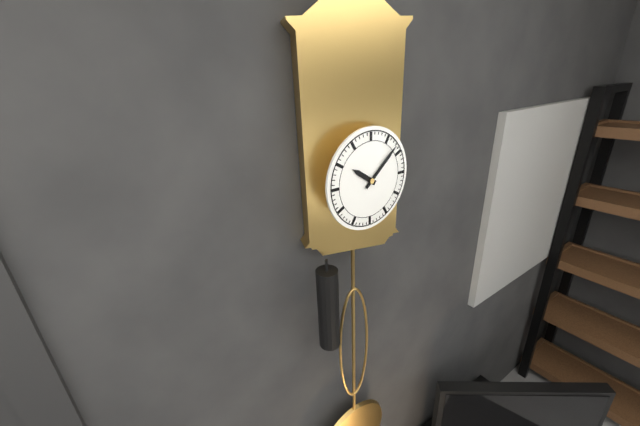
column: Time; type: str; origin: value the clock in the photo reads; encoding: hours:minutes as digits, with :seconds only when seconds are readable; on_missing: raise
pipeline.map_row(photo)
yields 10:08
